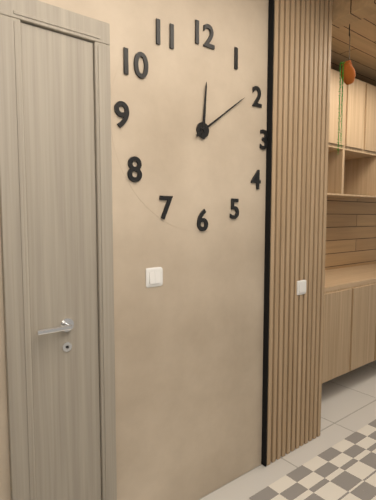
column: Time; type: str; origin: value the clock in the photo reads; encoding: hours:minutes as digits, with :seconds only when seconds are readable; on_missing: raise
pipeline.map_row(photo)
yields 12:09
